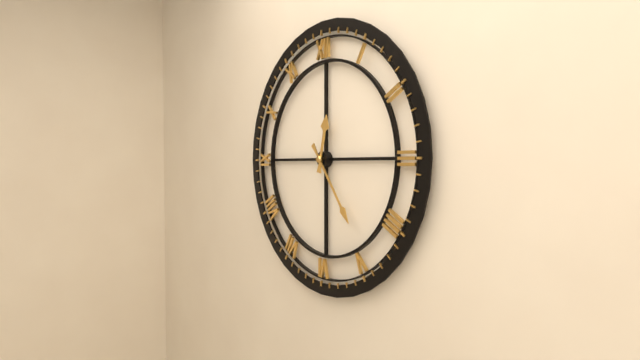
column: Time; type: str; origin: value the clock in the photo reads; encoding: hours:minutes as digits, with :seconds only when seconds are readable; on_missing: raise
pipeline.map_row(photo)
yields 12:24
